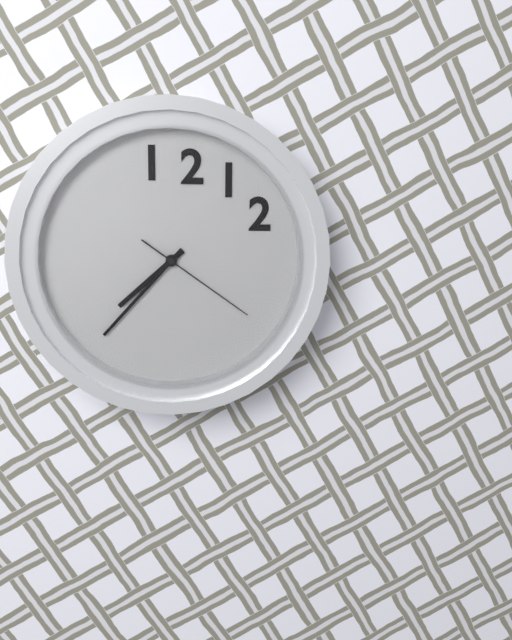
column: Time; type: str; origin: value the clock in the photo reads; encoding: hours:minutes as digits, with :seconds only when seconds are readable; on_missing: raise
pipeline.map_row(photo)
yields 7:37:21
